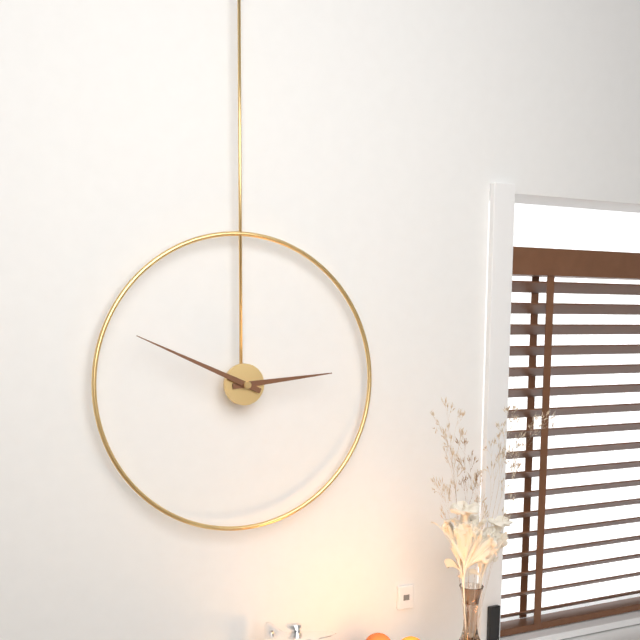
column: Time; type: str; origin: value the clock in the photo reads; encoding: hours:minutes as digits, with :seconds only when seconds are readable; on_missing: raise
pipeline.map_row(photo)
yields 2:49
